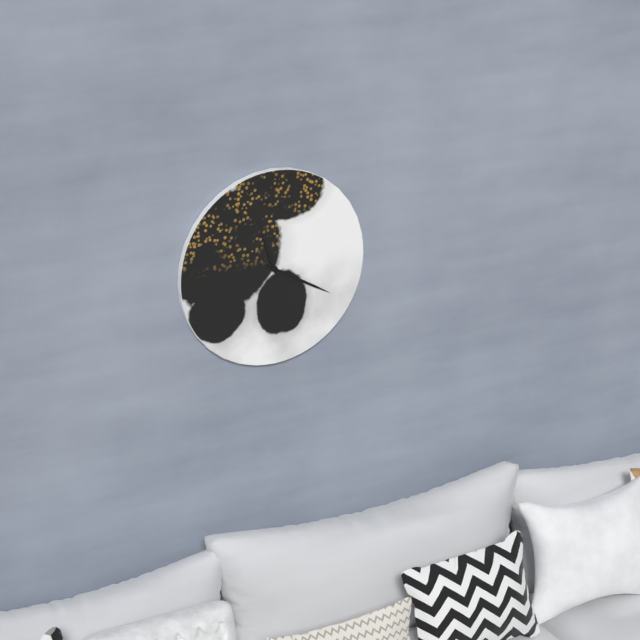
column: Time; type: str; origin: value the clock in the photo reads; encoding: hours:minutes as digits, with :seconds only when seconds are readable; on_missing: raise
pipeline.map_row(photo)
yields 11:20
